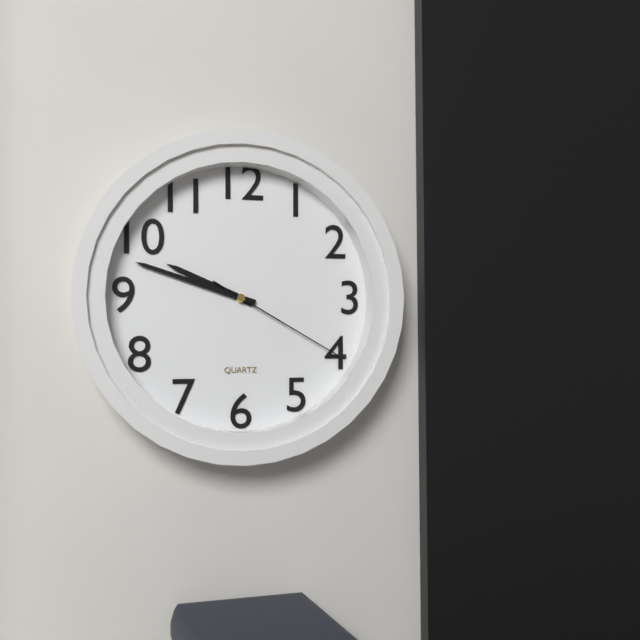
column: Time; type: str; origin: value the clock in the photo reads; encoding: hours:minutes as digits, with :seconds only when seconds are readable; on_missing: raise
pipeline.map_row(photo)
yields 9:48:20
